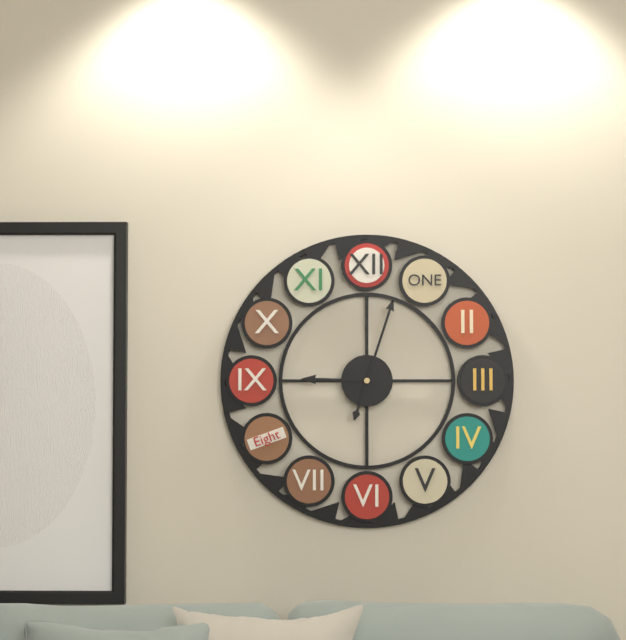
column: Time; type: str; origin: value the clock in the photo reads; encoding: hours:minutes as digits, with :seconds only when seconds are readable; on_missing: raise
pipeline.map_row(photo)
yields 9:03
